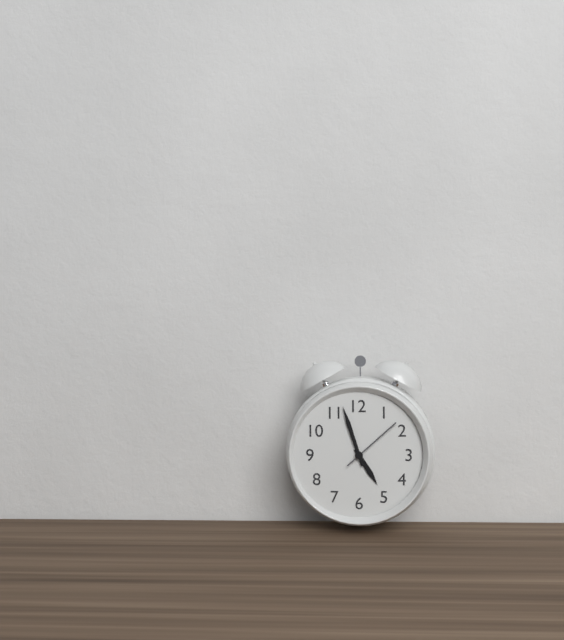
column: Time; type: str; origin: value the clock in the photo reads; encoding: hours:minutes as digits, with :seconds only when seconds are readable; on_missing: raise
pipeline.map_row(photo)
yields 4:57:08
